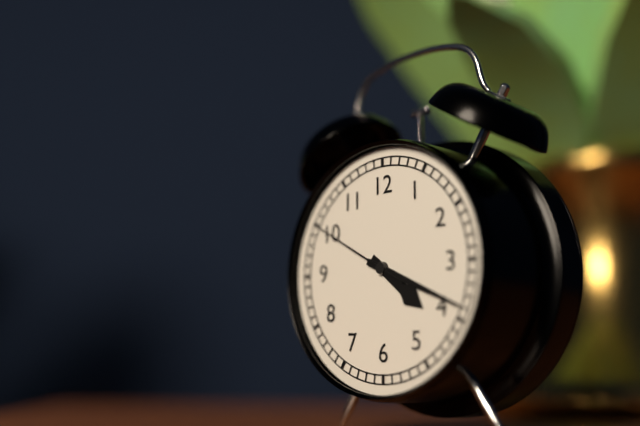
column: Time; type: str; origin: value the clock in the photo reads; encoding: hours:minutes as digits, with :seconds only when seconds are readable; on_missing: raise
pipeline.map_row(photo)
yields 4:19:50
